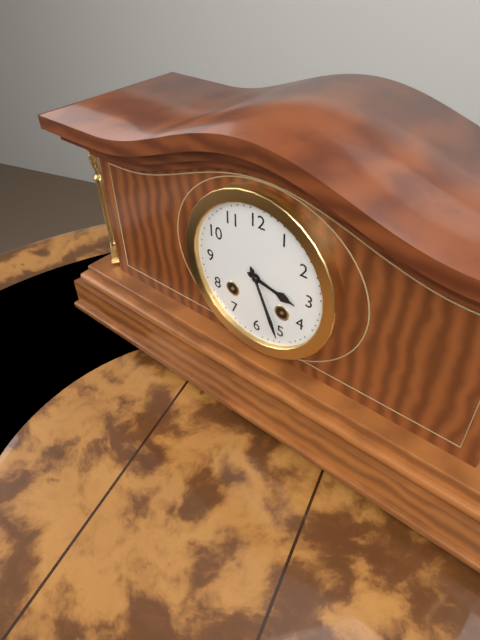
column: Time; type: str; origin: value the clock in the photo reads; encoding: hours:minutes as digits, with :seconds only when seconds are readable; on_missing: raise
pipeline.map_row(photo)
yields 3:26
